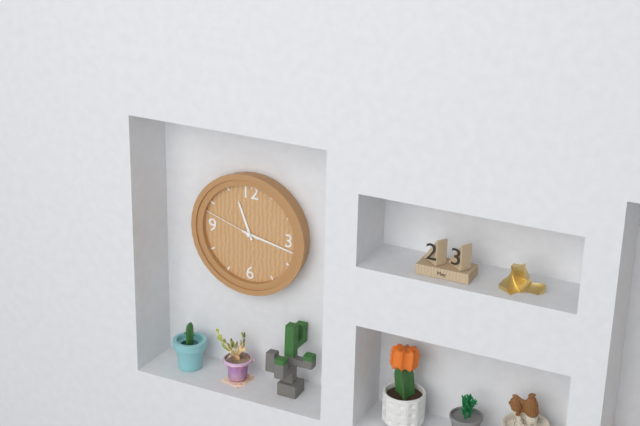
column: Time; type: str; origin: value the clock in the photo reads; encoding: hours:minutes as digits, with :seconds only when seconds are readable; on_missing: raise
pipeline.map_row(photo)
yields 11:17:48
